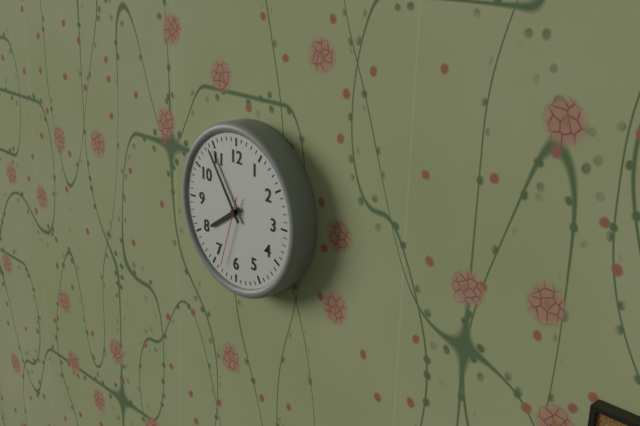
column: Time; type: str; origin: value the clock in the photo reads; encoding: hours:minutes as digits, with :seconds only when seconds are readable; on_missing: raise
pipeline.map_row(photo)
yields 7:54:33
